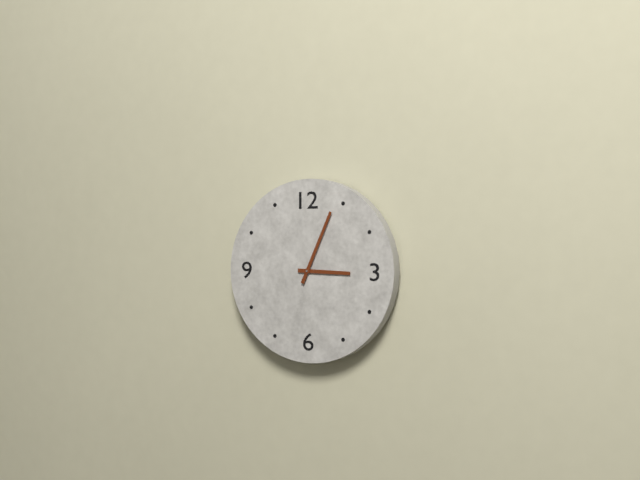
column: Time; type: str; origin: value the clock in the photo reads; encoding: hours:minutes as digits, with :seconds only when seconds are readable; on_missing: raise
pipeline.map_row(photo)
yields 3:04
